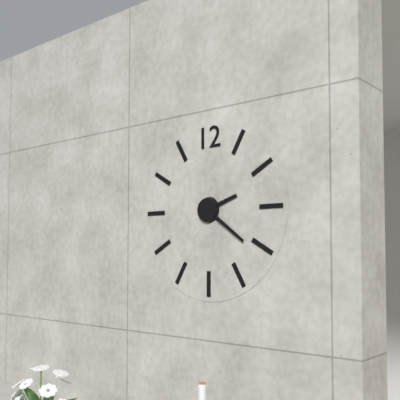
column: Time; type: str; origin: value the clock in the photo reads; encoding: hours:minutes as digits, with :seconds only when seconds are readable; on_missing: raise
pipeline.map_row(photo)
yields 2:21
